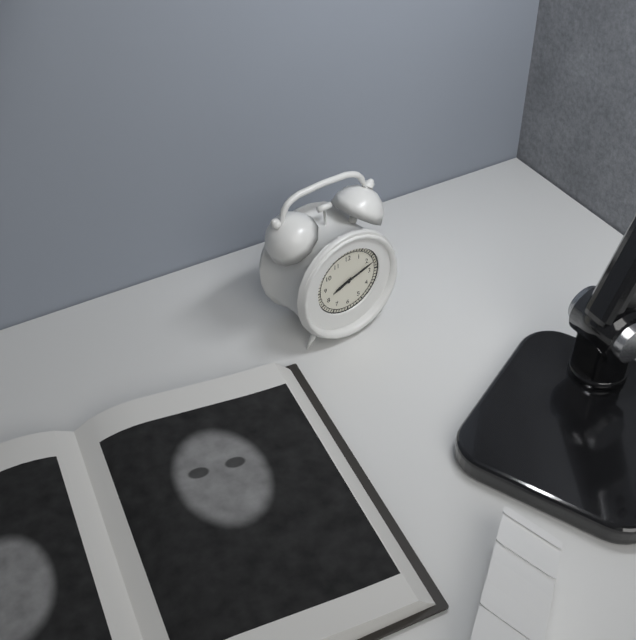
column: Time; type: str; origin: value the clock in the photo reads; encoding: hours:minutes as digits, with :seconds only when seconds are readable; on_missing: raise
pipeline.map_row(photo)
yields 8:12
